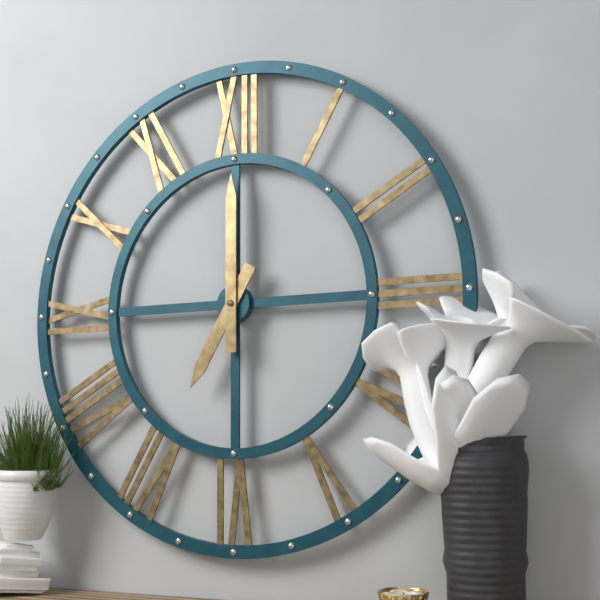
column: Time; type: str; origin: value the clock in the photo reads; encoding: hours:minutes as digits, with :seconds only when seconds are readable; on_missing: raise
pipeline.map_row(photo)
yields 7:00
